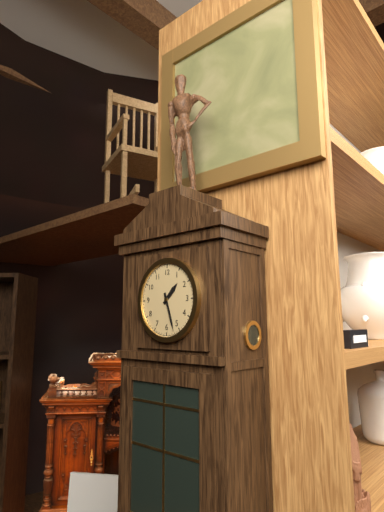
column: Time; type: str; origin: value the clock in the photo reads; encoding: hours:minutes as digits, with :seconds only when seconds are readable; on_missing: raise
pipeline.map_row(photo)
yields 1:27
